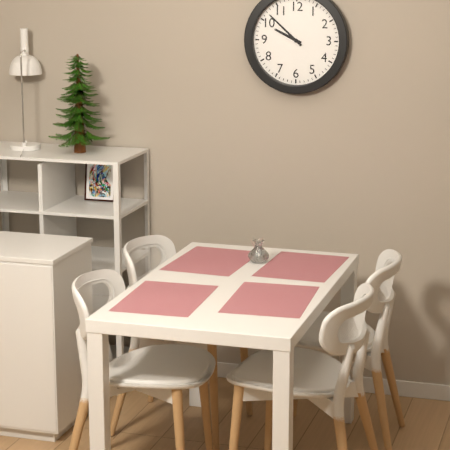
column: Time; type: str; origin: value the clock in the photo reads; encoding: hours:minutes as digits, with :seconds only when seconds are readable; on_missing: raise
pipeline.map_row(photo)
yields 9:52
